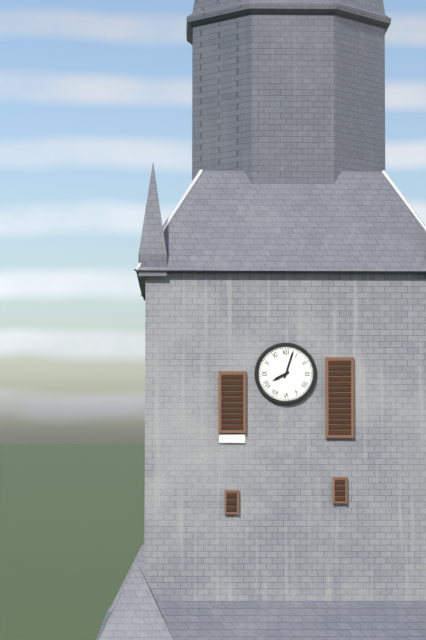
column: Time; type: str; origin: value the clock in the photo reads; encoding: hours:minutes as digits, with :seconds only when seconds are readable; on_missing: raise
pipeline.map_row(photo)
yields 8:03
